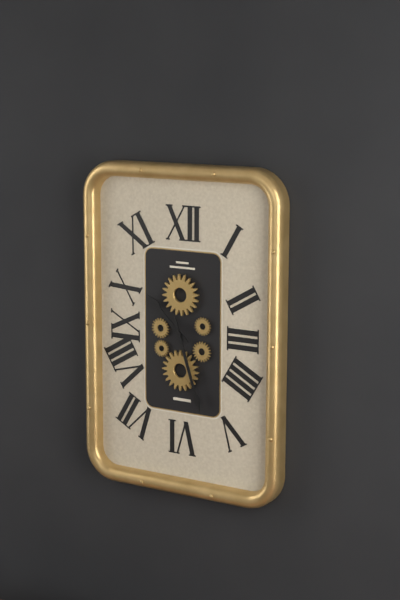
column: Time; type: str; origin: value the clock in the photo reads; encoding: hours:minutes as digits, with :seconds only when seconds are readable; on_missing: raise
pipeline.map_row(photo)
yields 10:27
